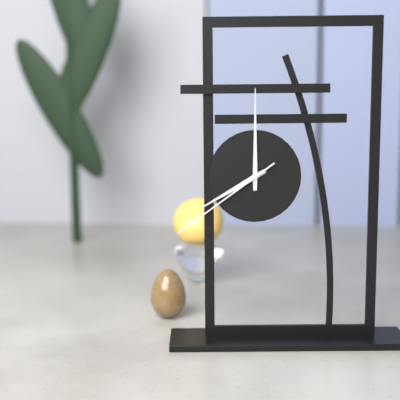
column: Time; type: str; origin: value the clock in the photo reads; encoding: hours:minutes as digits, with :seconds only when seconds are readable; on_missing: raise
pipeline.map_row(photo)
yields 8:00:39
